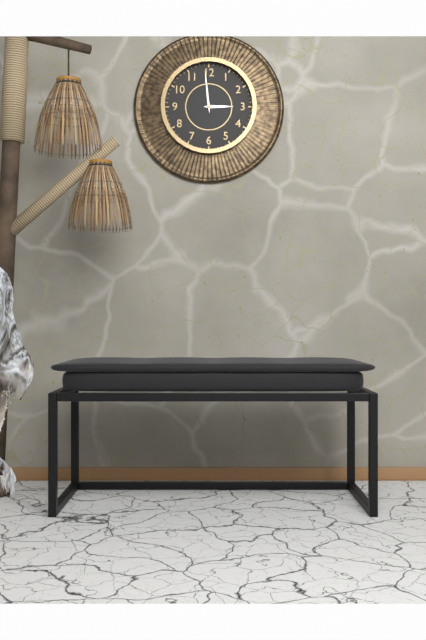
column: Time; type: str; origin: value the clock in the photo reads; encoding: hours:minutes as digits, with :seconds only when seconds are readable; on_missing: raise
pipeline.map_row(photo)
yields 2:59
